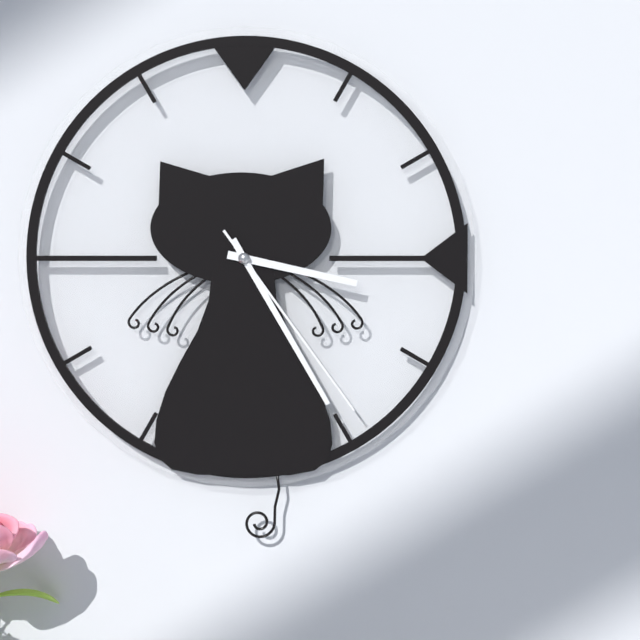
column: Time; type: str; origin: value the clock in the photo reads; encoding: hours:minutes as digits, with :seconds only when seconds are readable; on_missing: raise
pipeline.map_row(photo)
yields 3:25:24
